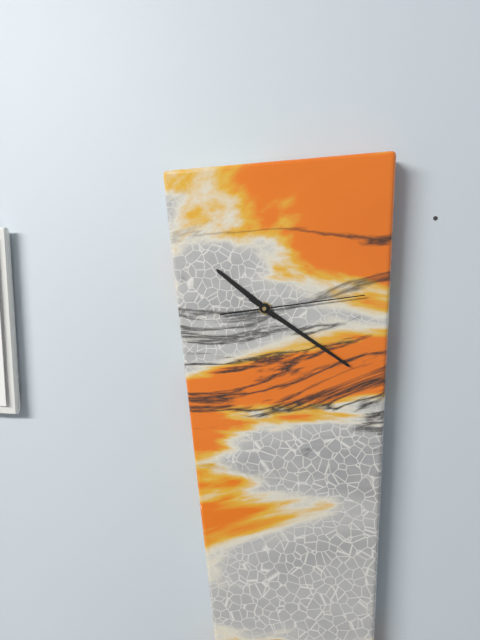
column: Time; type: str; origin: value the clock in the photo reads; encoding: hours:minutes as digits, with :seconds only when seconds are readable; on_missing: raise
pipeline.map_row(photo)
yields 10:21:14
